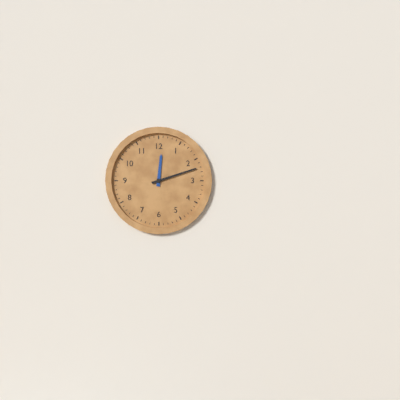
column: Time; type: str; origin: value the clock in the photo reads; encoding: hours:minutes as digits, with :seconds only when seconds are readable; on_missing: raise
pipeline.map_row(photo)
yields 12:12
